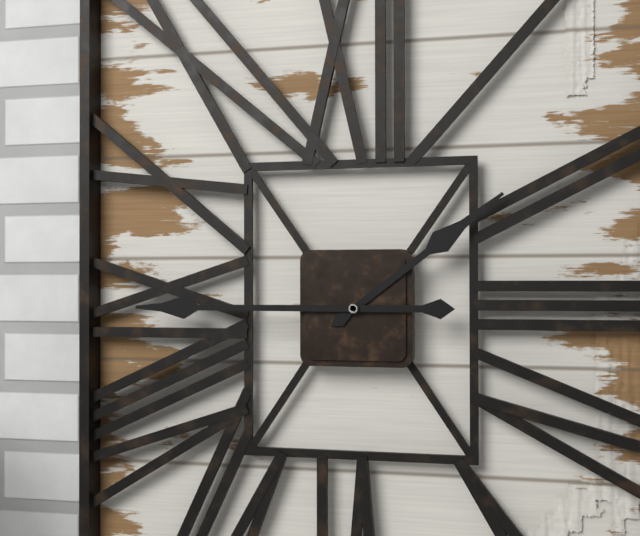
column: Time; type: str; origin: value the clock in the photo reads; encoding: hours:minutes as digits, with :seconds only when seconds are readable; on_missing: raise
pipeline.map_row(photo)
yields 1:45
